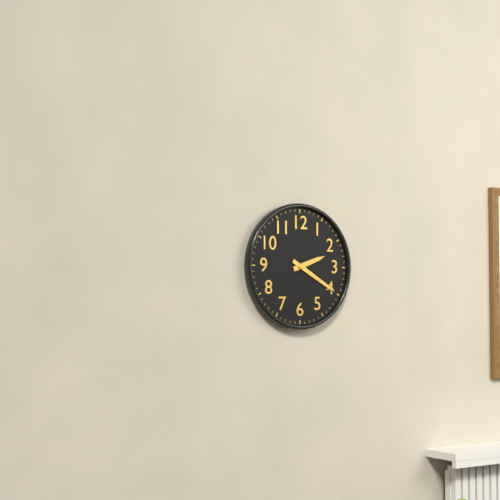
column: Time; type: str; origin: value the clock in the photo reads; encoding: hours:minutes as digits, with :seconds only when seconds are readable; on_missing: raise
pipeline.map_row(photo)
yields 2:20
